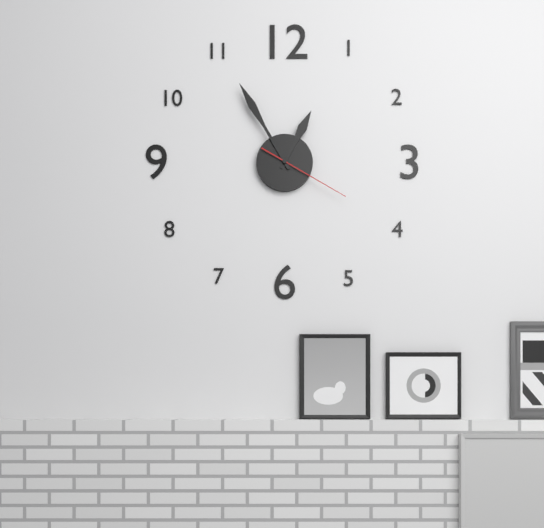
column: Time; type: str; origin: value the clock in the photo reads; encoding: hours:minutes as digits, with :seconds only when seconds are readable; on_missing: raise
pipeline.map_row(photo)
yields 12:55:20
